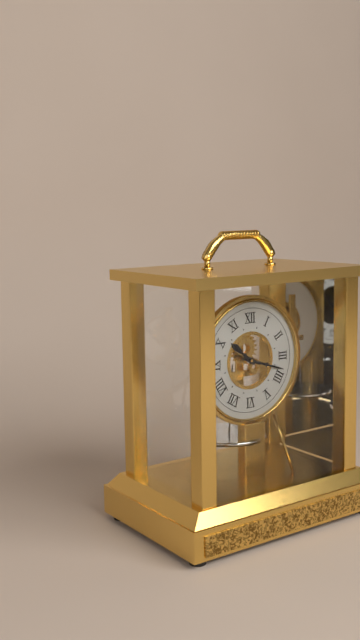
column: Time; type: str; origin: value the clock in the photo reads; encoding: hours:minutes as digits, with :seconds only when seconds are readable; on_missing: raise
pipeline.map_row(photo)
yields 10:18
